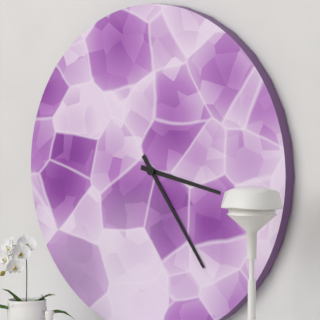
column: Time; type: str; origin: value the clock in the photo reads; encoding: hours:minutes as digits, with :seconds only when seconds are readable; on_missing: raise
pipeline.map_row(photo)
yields 3:24
